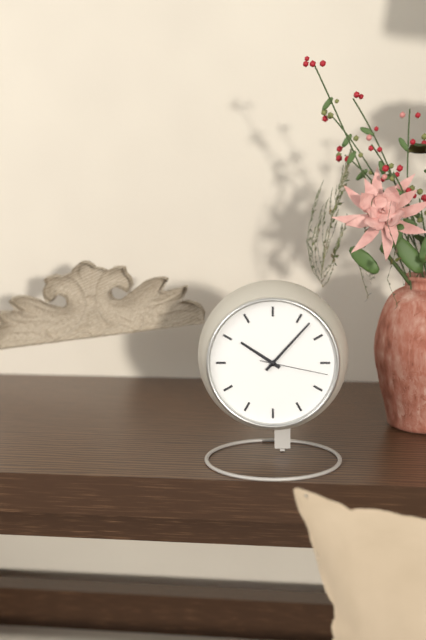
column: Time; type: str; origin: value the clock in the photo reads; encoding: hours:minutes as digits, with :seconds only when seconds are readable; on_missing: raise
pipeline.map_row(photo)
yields 10:07:17
